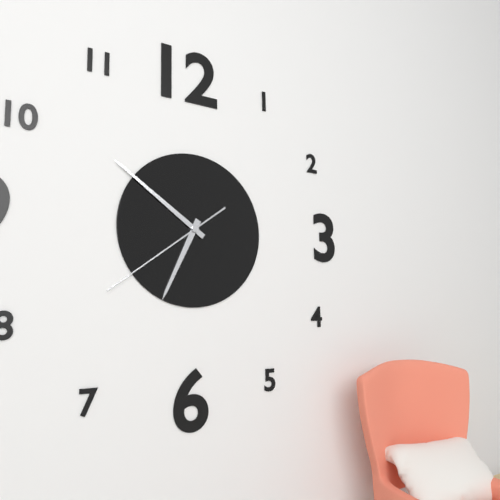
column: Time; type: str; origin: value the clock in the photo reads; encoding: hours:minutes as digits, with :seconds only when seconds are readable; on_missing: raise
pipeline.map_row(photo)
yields 6:51:39
